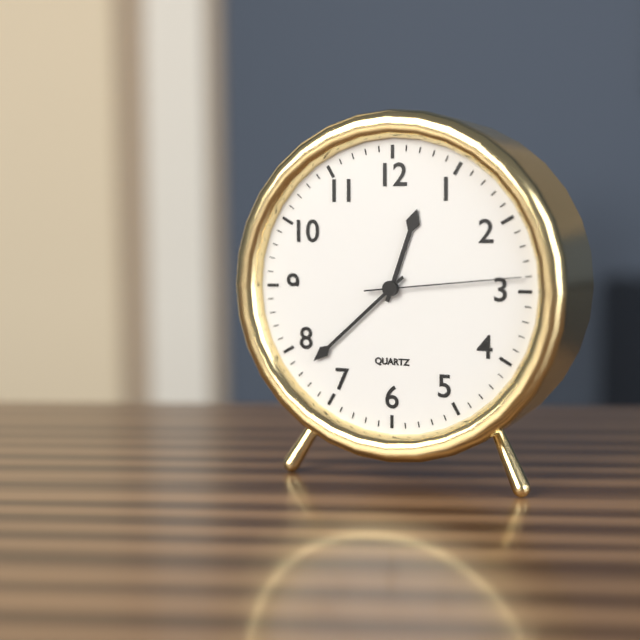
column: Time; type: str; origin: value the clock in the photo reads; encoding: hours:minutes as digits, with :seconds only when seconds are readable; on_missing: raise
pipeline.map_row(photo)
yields 12:38:14
